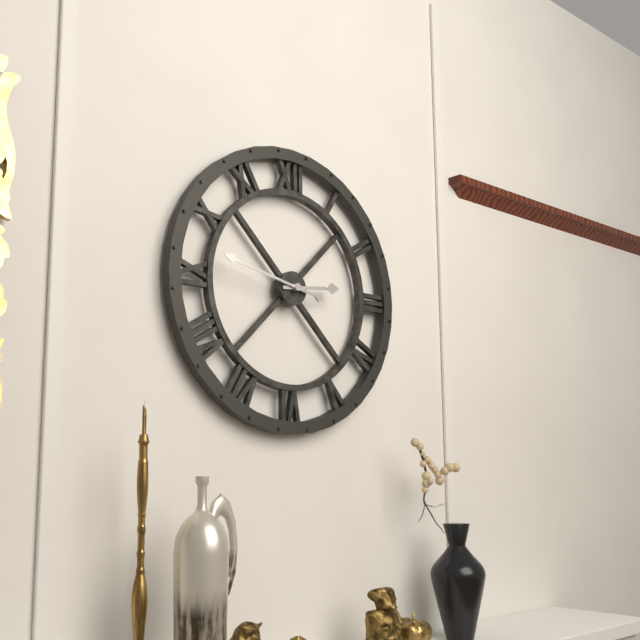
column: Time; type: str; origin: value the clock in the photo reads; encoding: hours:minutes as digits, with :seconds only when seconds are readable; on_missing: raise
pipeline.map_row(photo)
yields 2:47
